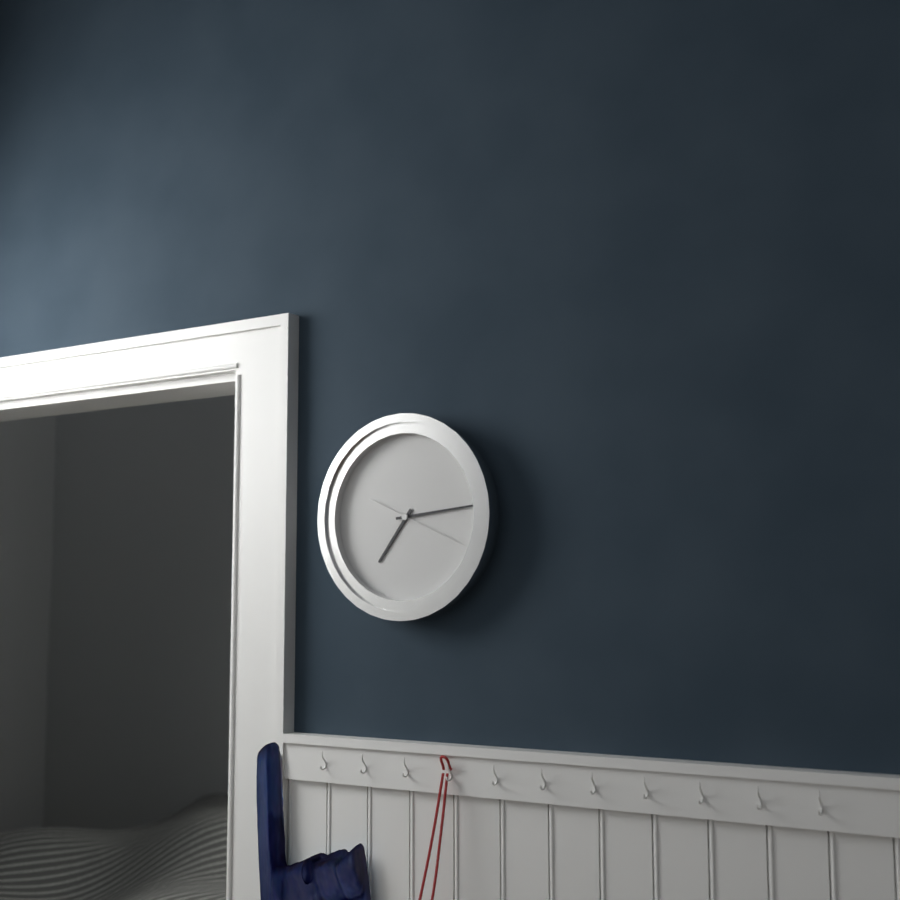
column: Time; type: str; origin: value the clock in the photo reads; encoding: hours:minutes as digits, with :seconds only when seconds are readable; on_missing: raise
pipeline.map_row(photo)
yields 7:14:19
